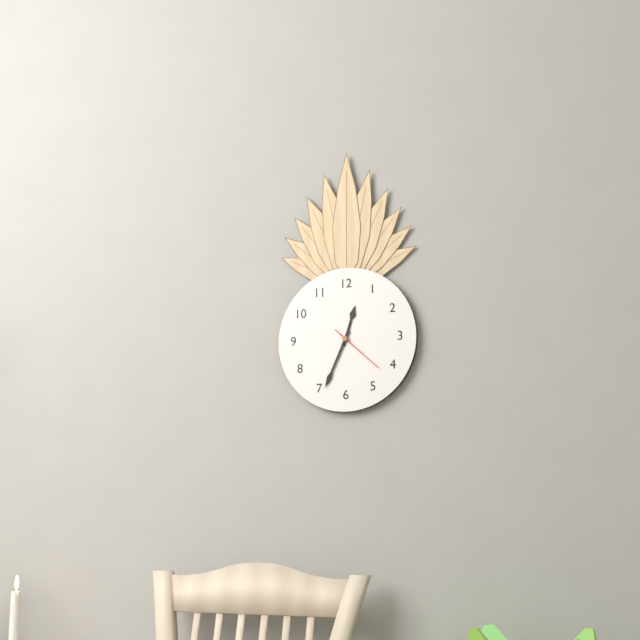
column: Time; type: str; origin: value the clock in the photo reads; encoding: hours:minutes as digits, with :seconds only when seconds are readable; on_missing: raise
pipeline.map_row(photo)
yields 12:34:22
